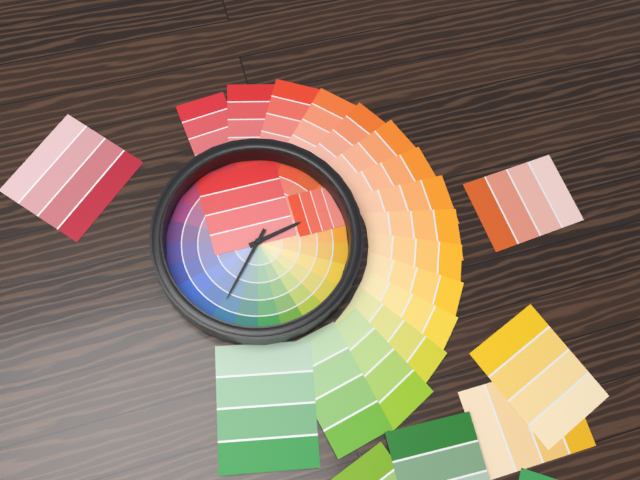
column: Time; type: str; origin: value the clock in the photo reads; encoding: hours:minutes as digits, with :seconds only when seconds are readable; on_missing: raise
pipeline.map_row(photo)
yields 2:37
